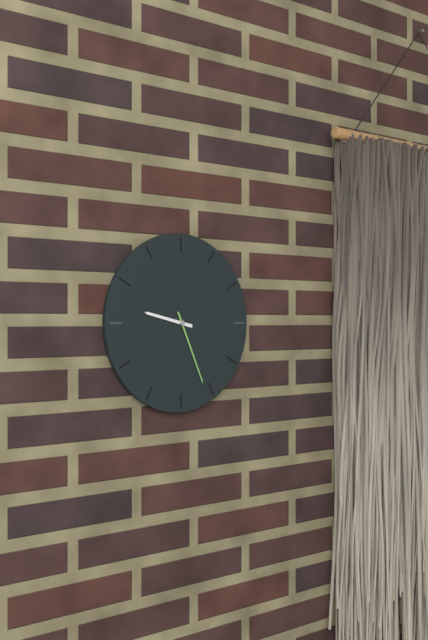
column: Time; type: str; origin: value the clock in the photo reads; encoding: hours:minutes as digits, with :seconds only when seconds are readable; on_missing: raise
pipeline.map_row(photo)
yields 9:26
